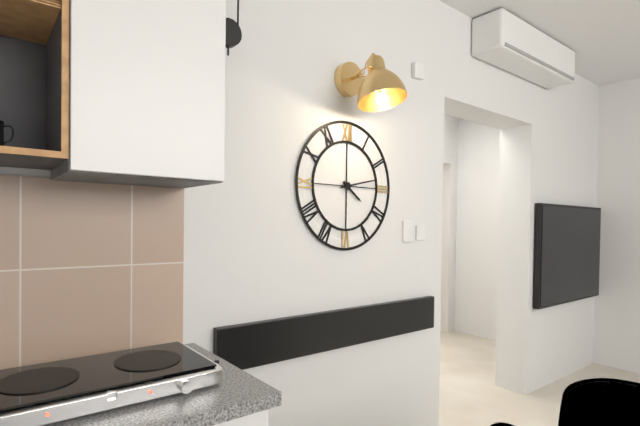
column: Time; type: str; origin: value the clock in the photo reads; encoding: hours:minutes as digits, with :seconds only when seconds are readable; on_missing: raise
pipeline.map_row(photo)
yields 4:13
